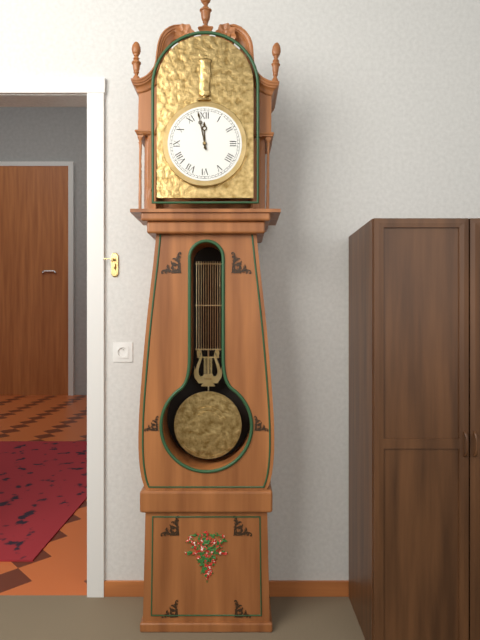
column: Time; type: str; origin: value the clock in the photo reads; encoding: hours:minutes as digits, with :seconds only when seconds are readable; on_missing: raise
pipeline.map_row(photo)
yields 11:58
